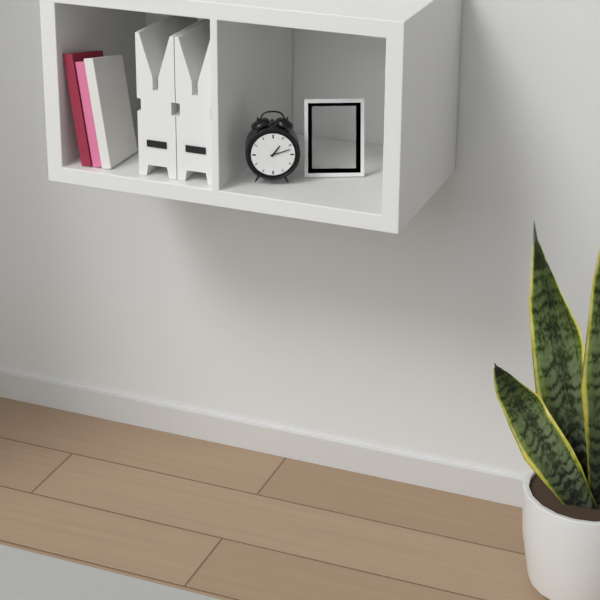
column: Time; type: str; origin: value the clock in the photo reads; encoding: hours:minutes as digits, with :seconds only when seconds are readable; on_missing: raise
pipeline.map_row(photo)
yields 1:12
